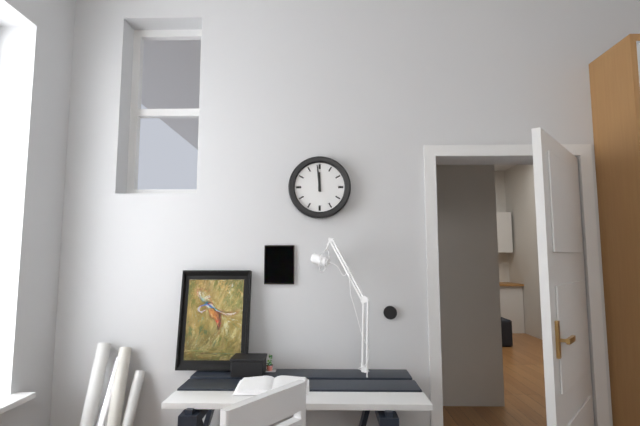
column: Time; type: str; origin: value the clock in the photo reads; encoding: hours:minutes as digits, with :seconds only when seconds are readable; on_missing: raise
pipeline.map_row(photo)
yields 11:59
